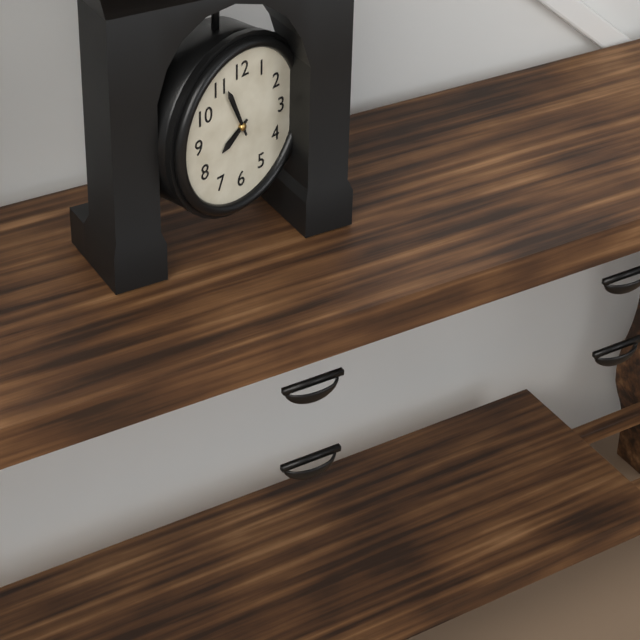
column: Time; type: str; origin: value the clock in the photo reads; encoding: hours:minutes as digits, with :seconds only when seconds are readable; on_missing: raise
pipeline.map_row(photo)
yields 7:56
